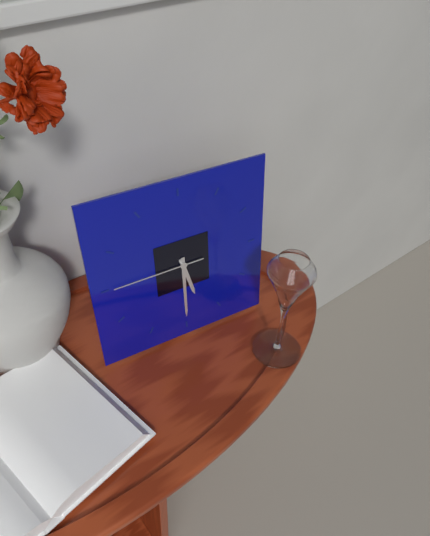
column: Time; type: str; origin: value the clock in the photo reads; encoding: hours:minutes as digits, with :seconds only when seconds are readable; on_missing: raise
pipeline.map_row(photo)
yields 5:30:45
